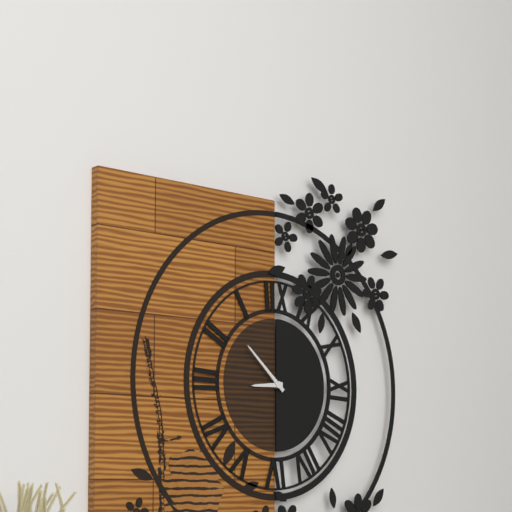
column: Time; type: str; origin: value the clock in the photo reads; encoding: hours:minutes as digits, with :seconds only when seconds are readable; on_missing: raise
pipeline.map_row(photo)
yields 8:52
